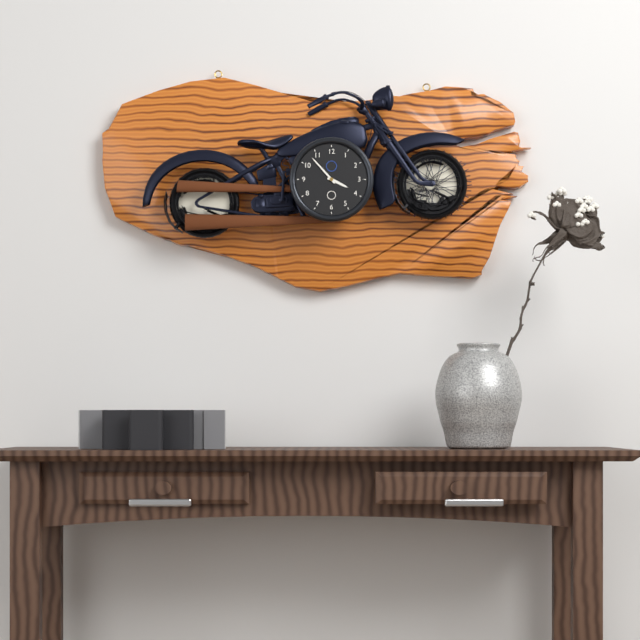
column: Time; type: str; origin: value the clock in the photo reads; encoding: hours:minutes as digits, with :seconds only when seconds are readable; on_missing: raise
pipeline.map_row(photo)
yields 3:53
